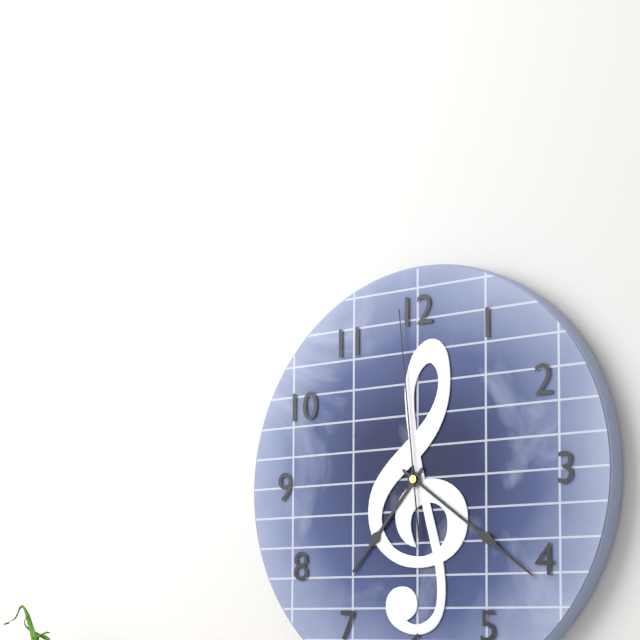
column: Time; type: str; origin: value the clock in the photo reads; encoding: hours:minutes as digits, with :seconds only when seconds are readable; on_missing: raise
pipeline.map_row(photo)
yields 7:21:59
